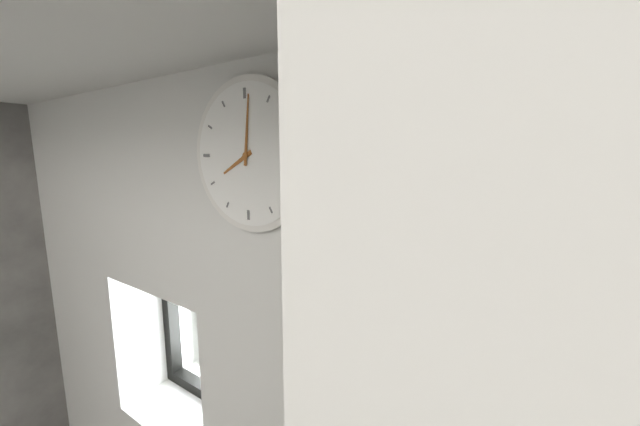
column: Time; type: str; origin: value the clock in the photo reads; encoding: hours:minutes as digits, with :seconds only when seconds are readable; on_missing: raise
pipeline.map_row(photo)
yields 8:01
